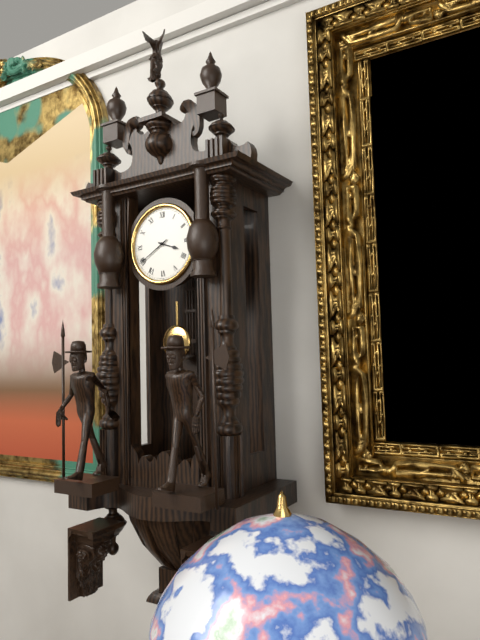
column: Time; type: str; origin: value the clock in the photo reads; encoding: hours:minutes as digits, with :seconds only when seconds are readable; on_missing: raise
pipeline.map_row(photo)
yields 3:40
